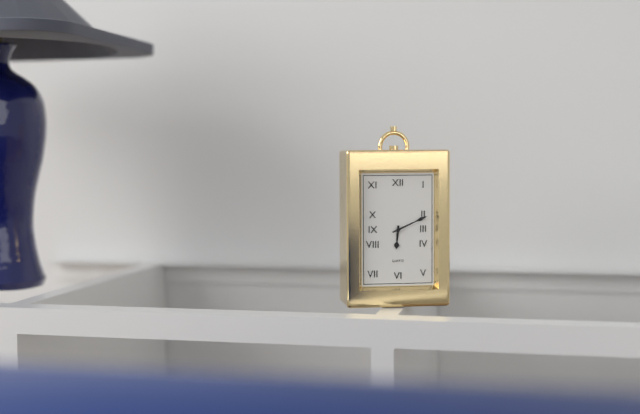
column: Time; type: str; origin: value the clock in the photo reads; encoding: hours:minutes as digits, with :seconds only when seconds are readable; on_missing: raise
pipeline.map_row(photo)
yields 6:11
